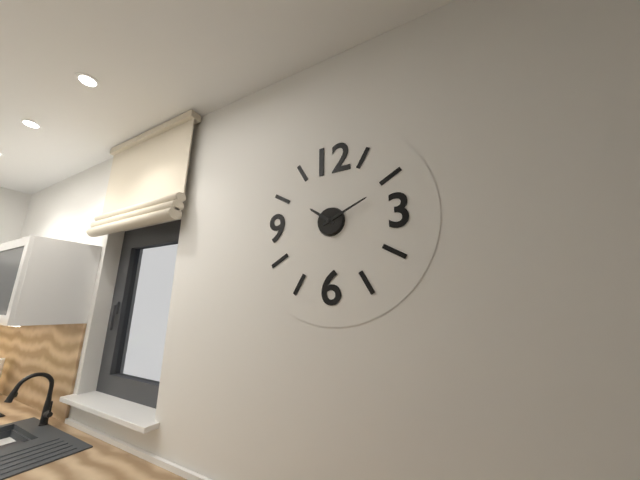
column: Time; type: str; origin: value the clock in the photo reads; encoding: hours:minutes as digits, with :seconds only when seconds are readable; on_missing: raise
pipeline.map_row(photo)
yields 10:11
